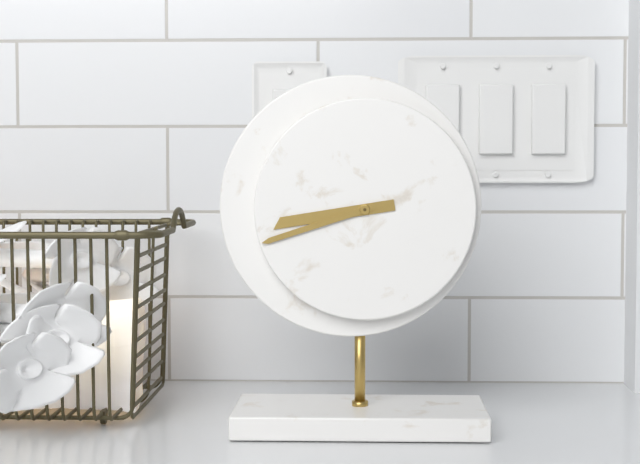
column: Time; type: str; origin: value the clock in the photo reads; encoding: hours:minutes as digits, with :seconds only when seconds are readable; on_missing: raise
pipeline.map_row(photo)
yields 8:42
